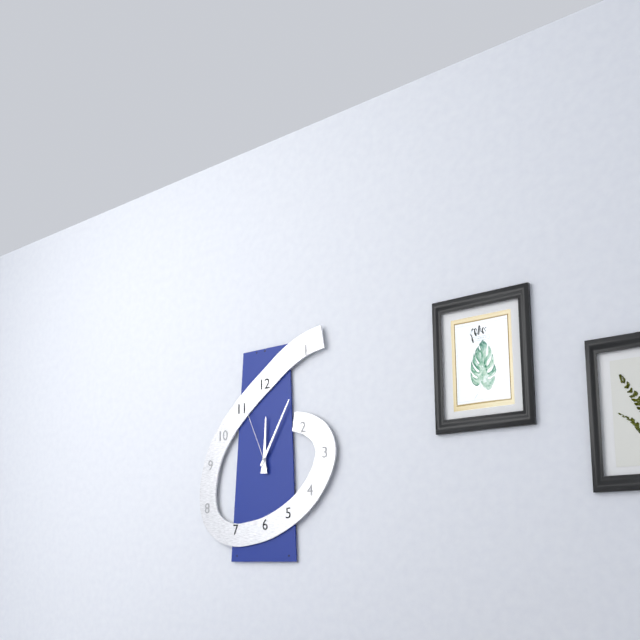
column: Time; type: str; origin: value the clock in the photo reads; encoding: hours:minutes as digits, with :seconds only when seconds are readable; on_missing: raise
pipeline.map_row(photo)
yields 12:05:56
